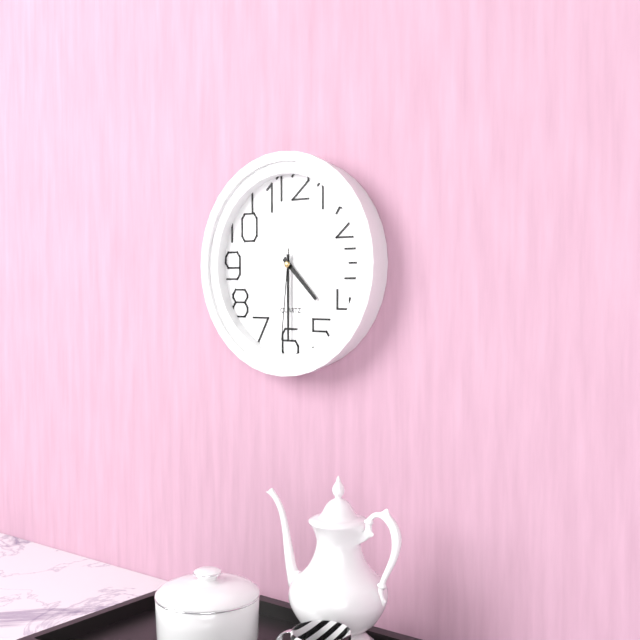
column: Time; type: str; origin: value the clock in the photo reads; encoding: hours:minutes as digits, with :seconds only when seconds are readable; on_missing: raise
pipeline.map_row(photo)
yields 4:30:31
